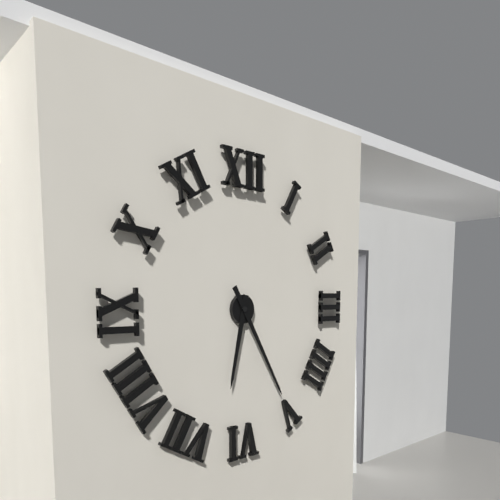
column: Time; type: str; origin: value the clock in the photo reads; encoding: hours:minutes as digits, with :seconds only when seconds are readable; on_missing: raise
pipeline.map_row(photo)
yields 6:25
